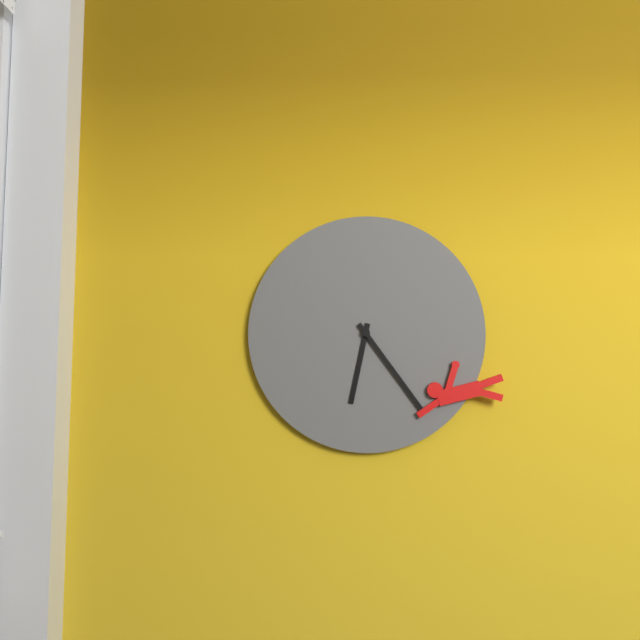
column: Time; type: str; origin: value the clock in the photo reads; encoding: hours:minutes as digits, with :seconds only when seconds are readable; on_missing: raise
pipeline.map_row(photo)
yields 6:24
